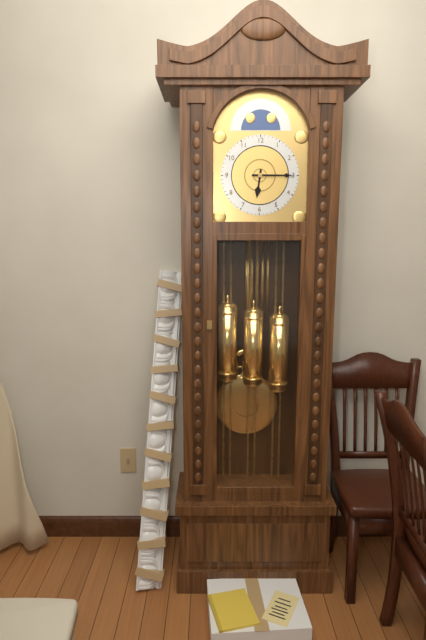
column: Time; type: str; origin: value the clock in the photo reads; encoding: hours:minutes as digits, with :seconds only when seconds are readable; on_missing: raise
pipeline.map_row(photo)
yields 6:15
